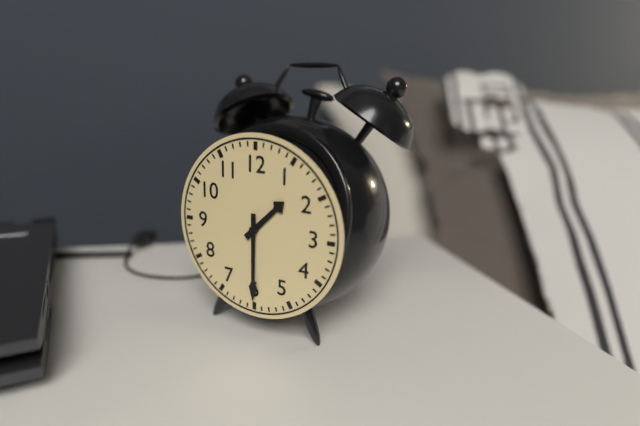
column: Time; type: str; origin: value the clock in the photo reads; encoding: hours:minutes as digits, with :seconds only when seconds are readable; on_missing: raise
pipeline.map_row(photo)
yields 1:30
